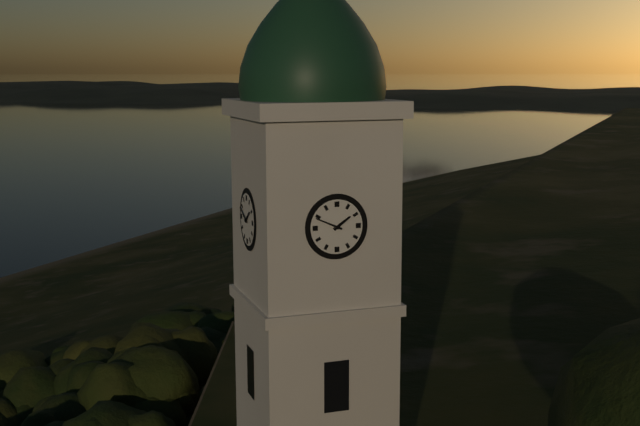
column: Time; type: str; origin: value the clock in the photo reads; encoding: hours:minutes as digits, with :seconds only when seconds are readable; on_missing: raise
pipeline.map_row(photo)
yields 1:49
